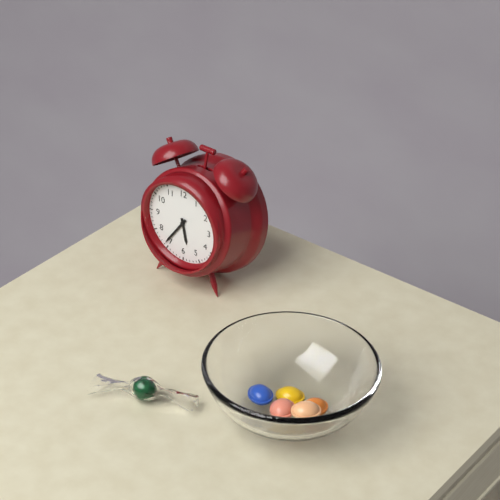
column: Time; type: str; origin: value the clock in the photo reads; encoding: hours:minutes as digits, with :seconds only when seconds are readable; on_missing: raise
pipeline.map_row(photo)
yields 5:36
